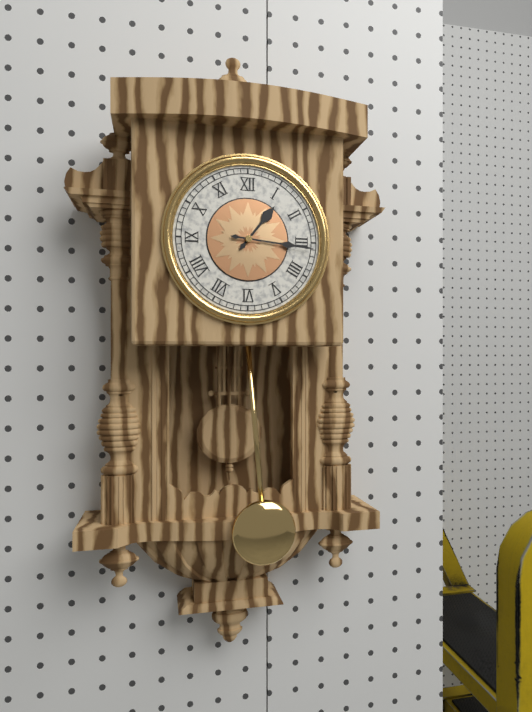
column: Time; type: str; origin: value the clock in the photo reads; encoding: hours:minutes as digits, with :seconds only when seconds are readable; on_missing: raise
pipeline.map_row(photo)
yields 1:16
